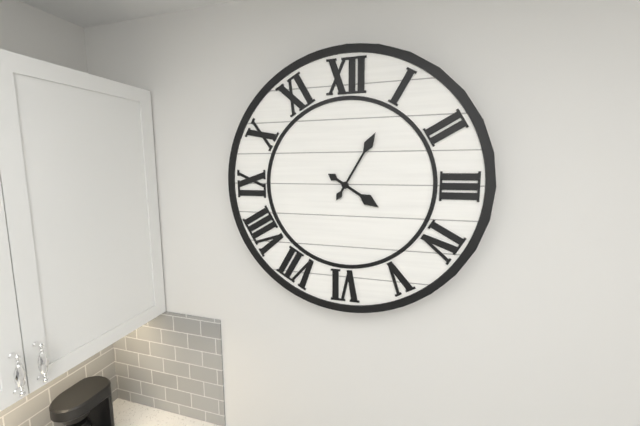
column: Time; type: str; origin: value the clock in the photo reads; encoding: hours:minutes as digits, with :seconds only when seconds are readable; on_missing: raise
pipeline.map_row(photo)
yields 4:05
